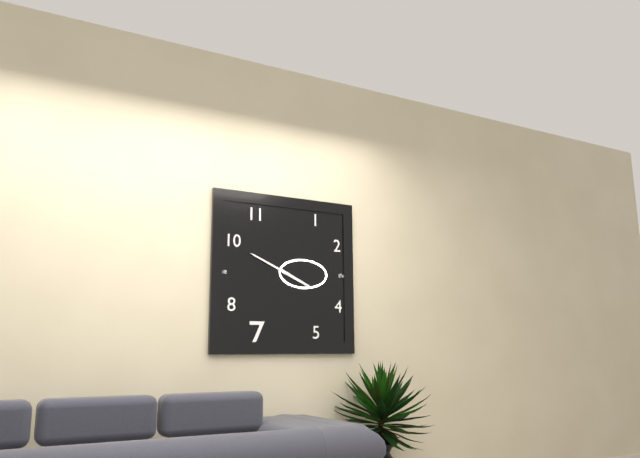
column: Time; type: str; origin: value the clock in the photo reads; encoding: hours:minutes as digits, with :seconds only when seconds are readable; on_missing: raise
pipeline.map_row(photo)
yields 3:49
